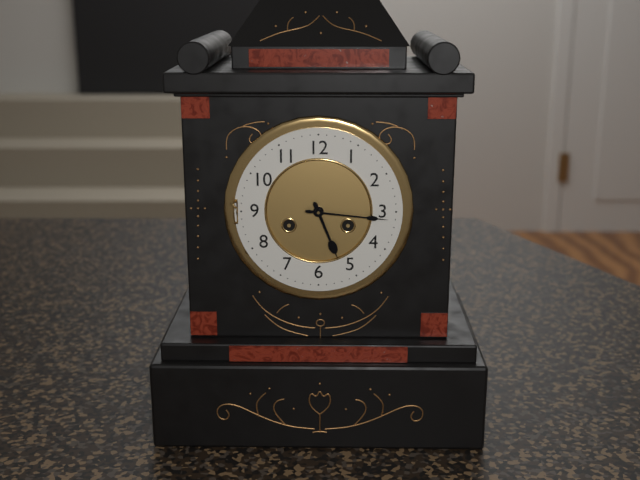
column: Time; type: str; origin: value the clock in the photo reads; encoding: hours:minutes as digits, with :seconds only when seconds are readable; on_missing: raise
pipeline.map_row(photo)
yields 5:16
